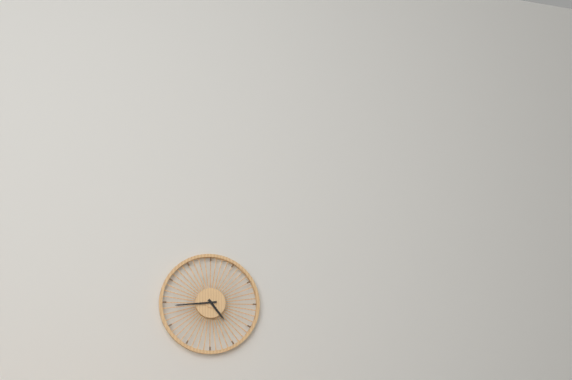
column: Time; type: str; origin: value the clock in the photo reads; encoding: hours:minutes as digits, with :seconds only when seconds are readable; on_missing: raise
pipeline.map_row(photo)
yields 4:44
